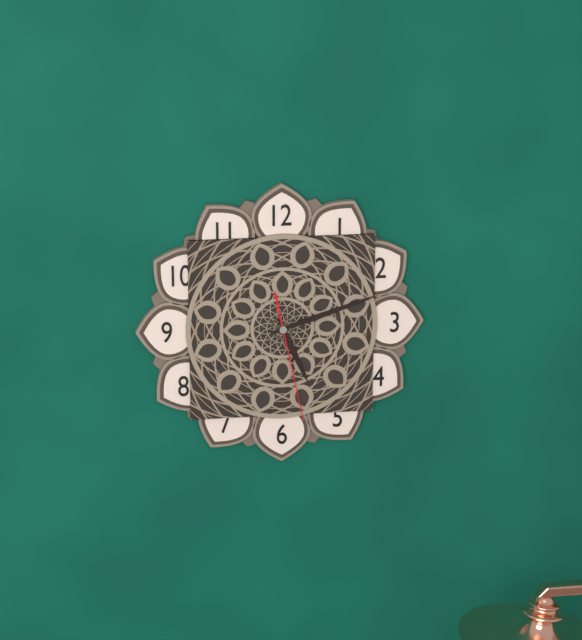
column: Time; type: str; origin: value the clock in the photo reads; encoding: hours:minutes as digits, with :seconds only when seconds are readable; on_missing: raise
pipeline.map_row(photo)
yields 5:12:28
